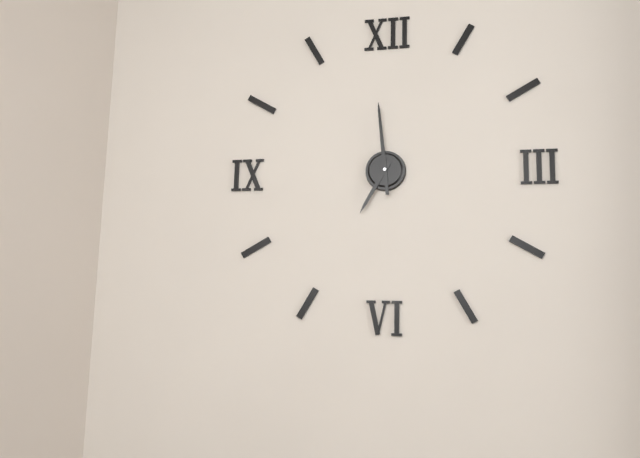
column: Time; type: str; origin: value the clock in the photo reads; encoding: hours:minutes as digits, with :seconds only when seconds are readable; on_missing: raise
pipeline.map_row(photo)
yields 6:59
